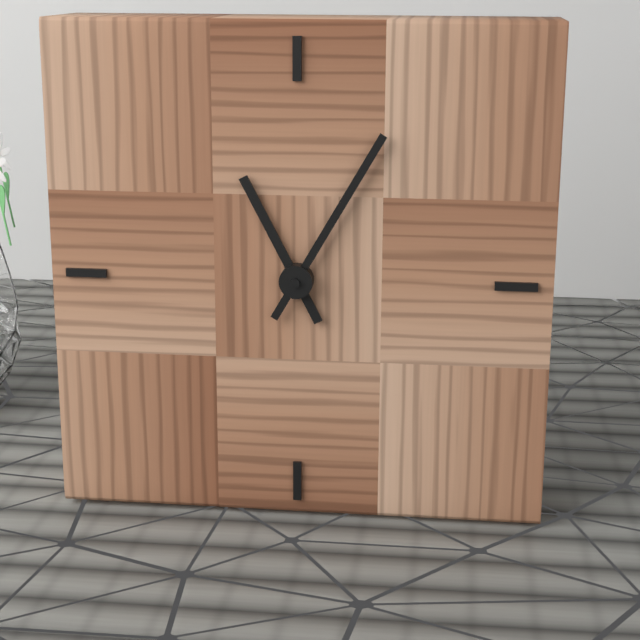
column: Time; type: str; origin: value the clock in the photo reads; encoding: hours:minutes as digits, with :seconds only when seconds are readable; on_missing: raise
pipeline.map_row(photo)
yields 11:05
